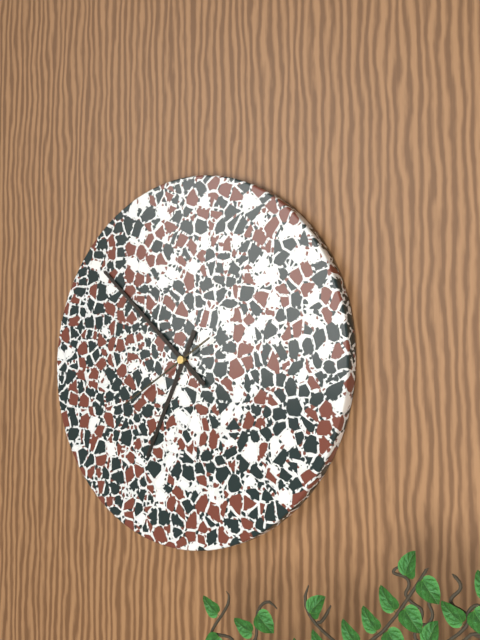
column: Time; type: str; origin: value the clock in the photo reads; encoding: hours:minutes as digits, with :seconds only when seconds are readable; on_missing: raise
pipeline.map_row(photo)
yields 6:52:40
